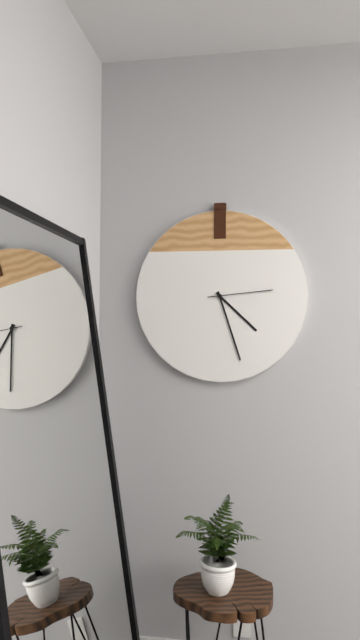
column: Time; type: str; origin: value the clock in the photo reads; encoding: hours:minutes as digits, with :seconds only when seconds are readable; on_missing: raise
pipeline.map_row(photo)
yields 4:27:14
